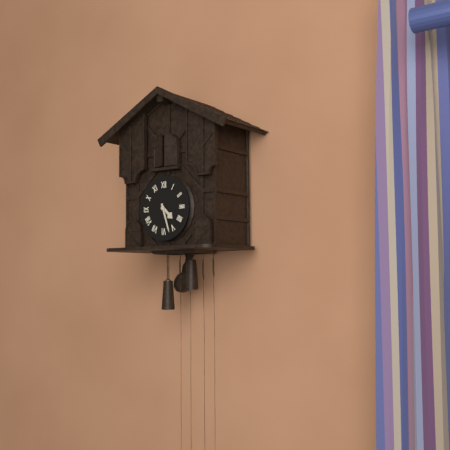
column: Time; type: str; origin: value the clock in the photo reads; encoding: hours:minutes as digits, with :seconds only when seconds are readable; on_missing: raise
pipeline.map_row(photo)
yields 4:27
